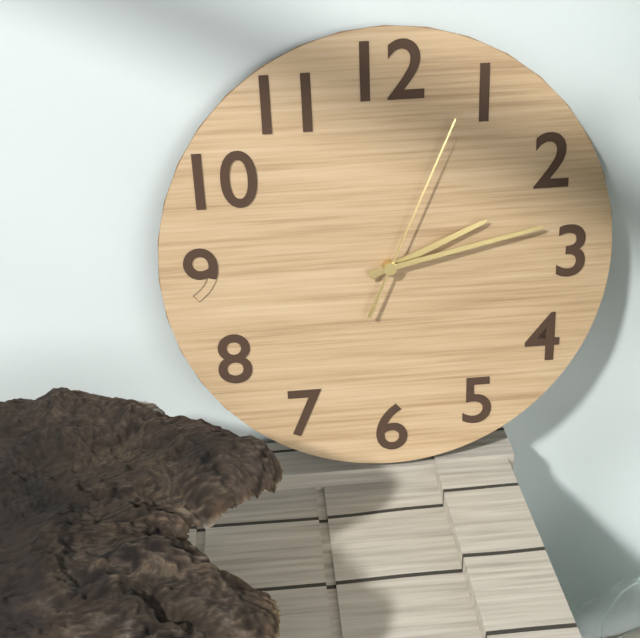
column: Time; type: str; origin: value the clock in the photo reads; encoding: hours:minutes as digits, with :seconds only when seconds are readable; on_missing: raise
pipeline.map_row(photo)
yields 2:13:04
